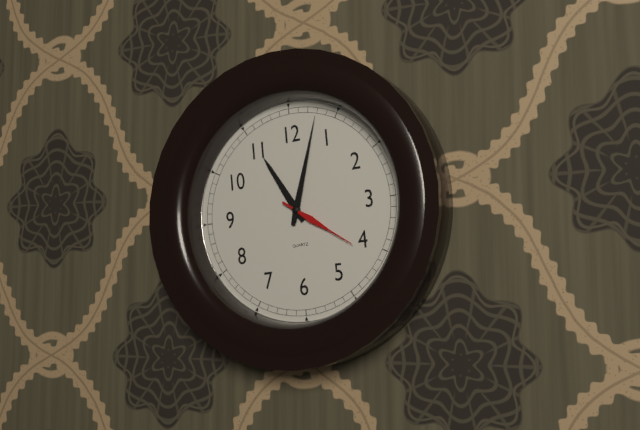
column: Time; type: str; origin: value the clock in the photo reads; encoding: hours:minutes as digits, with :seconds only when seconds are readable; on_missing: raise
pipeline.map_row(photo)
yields 11:03:21
